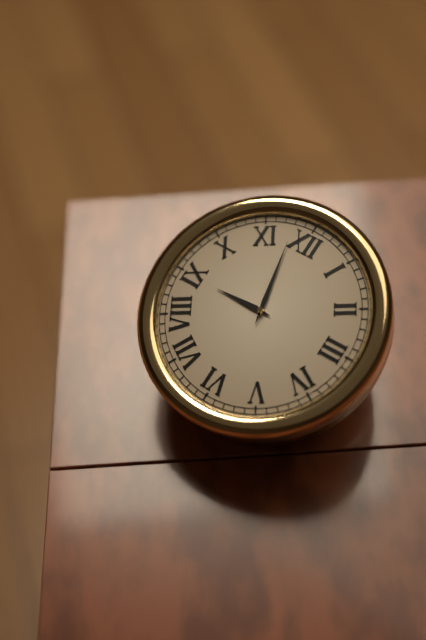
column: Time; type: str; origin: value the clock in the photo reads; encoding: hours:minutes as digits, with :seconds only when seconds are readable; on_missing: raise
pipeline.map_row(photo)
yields 8:58
